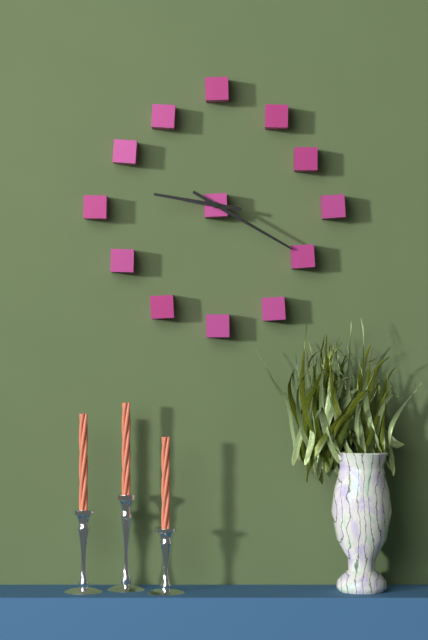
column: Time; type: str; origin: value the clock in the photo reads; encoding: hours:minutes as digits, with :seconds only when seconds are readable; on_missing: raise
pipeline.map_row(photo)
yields 9:20
